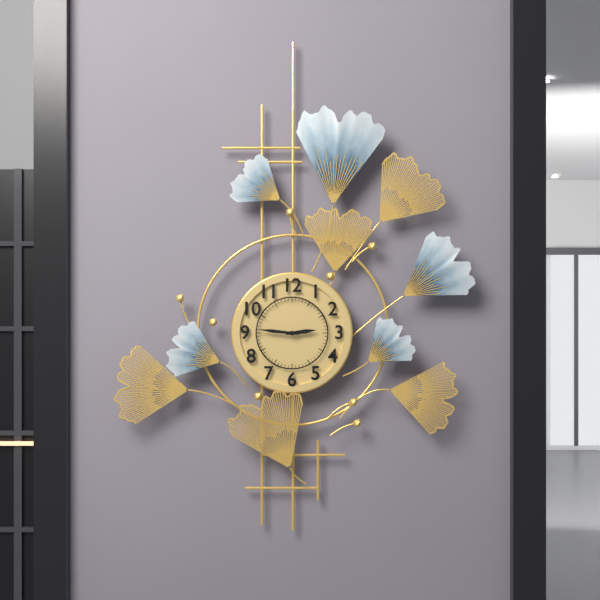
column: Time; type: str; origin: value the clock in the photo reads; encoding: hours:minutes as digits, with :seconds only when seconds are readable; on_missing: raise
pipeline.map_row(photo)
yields 2:46
